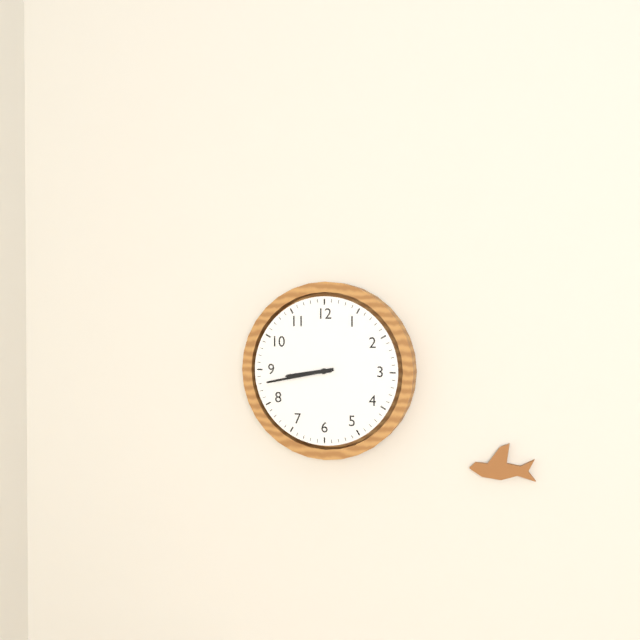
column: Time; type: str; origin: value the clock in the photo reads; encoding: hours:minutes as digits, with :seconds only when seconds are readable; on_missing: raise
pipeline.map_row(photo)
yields 8:43
